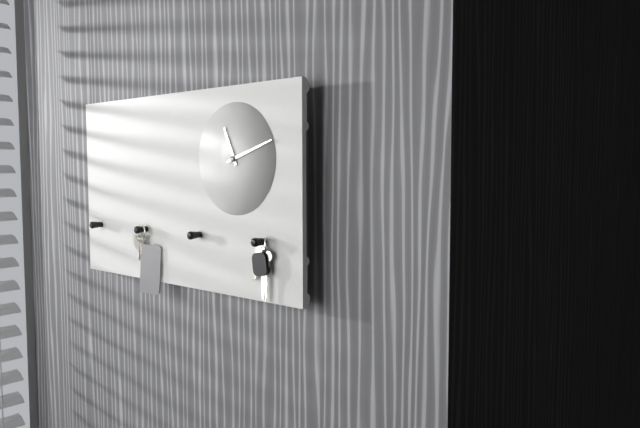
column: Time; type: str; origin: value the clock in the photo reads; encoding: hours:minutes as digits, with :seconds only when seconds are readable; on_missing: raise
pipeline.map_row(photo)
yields 11:12
